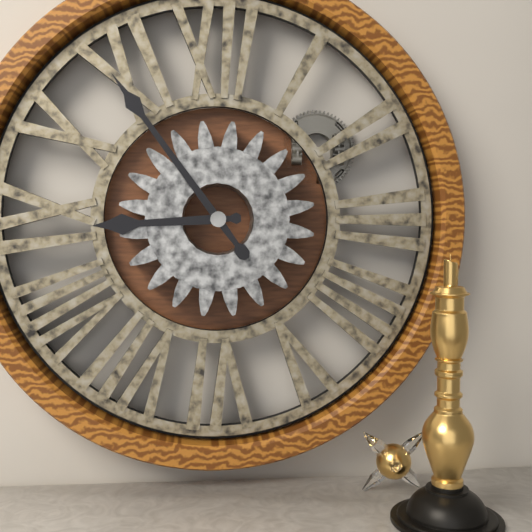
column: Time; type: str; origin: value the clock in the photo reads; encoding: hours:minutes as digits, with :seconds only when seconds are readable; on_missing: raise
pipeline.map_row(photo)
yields 8:54
